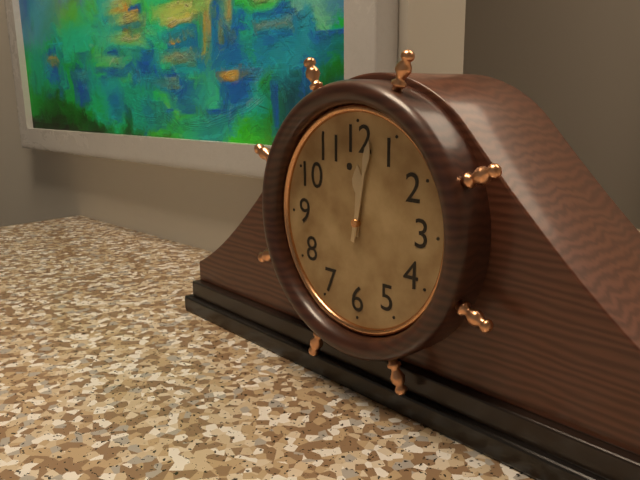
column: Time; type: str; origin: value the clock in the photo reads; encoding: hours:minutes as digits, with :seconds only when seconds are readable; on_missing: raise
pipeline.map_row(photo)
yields 12:02
